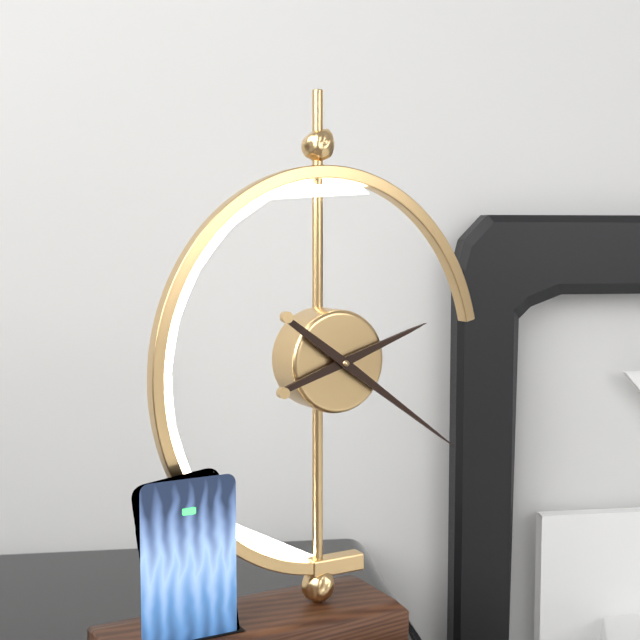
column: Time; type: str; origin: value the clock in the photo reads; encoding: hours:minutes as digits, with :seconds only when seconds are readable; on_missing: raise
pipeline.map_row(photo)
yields 2:21
